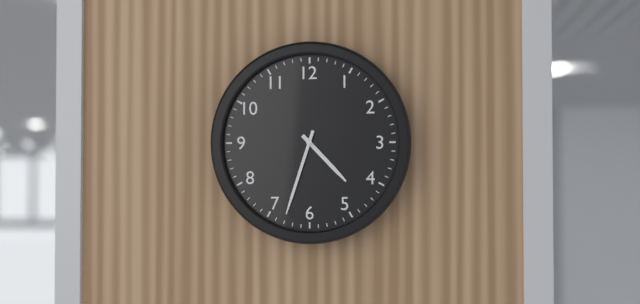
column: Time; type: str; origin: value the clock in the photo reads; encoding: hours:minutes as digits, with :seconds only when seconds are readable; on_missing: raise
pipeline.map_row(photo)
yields 4:33
